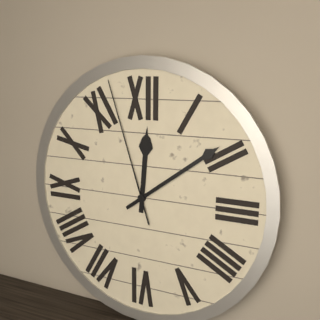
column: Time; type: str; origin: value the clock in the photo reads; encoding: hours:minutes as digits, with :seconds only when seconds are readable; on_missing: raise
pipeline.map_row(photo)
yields 12:09:57
